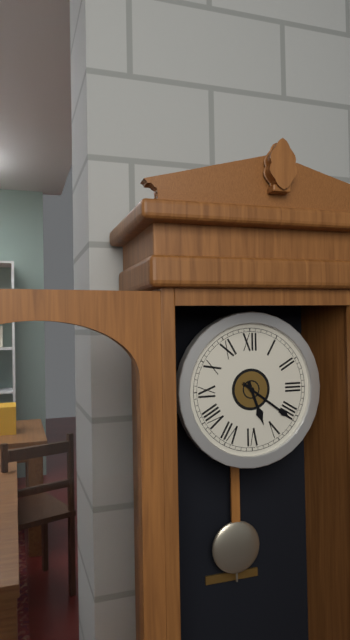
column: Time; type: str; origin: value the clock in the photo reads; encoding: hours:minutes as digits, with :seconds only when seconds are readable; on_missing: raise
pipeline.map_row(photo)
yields 5:21
